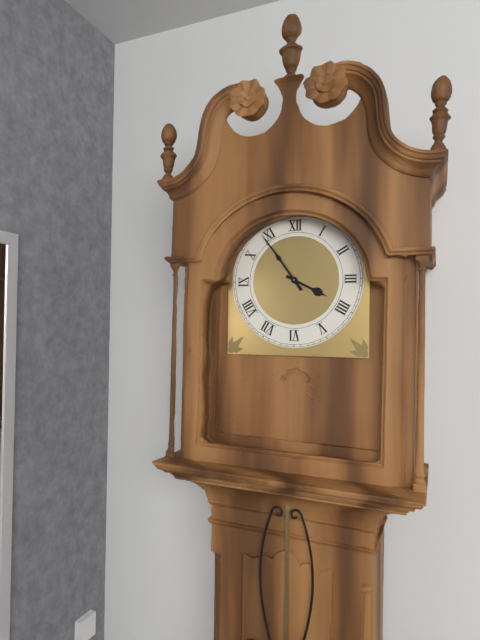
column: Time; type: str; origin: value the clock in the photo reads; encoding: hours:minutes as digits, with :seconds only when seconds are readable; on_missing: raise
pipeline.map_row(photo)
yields 3:54
